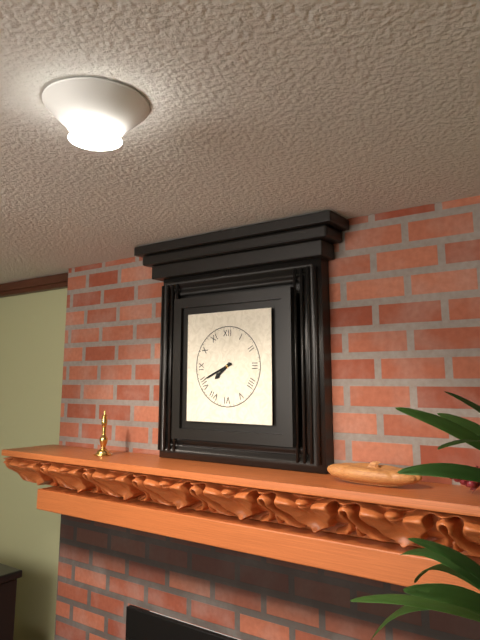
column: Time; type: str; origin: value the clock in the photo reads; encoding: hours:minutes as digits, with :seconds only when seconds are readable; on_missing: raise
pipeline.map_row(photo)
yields 7:41
